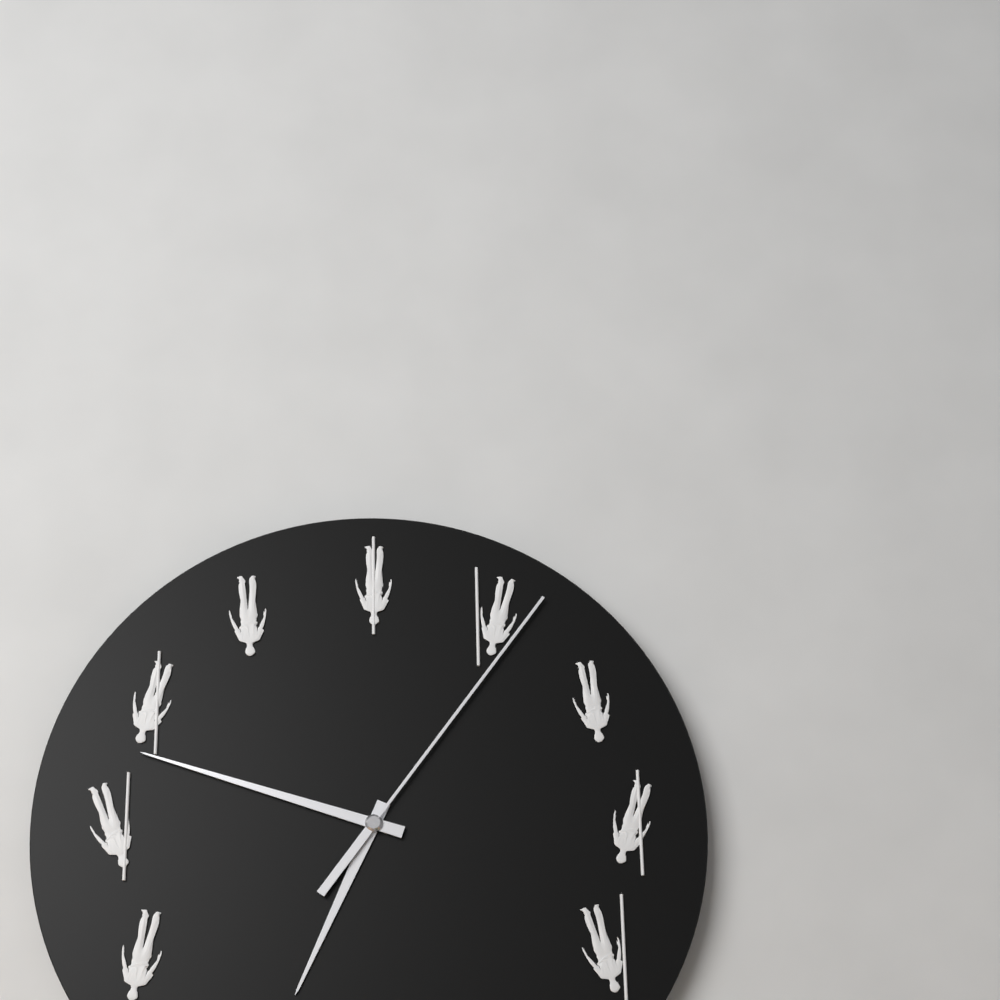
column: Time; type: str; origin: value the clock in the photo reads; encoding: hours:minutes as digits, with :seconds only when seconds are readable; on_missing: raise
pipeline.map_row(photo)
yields 6:48:06
